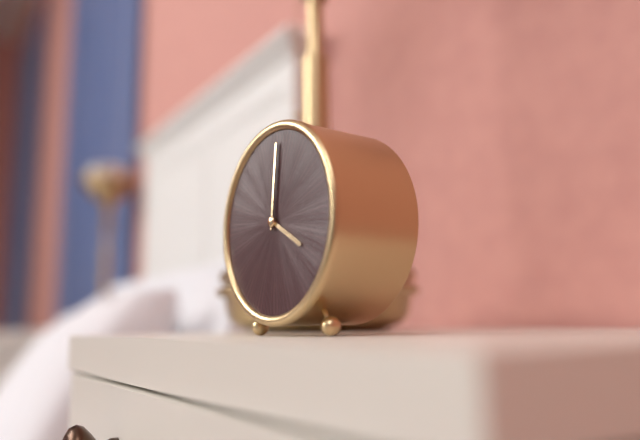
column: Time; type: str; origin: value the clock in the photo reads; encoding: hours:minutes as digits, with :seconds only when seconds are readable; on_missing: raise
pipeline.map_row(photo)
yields 4:01
